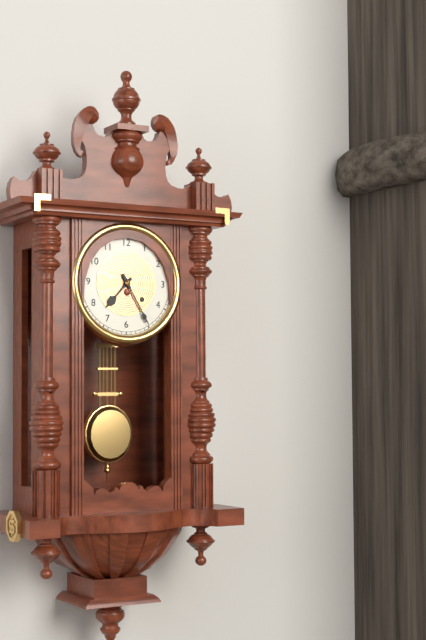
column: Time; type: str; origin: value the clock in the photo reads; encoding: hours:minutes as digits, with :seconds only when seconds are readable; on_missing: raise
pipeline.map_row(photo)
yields 7:25
